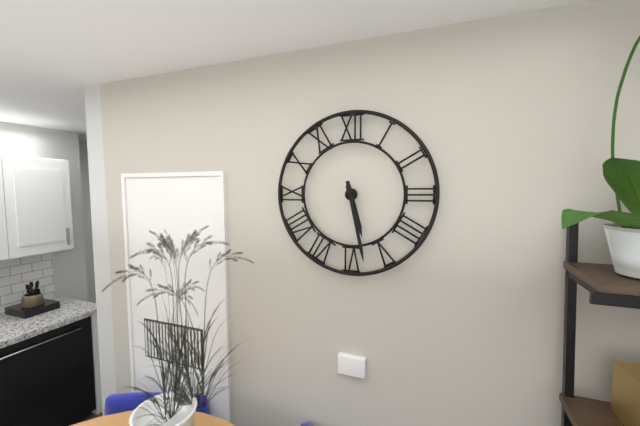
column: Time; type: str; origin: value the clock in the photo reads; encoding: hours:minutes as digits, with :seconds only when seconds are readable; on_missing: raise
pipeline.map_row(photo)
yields 5:28
